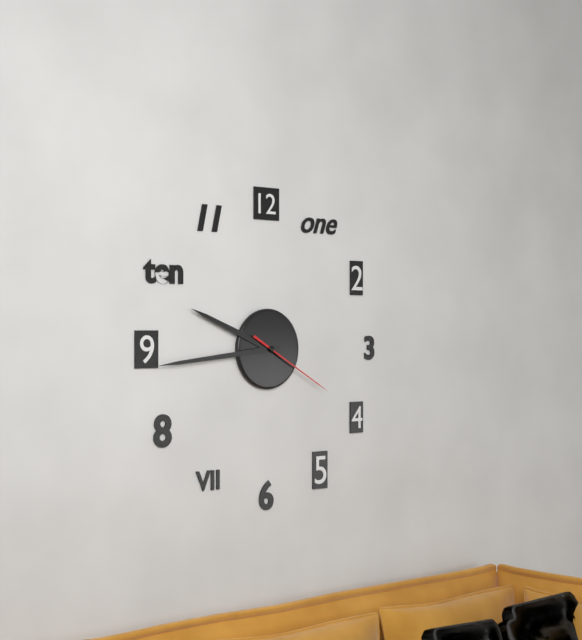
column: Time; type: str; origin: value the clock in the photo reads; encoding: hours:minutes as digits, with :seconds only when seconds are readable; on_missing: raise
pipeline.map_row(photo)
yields 9:44:20
